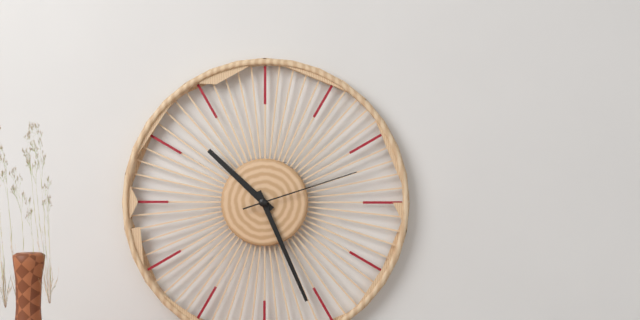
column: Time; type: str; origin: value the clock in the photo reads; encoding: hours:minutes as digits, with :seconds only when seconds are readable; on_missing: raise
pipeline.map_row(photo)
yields 10:26:12
